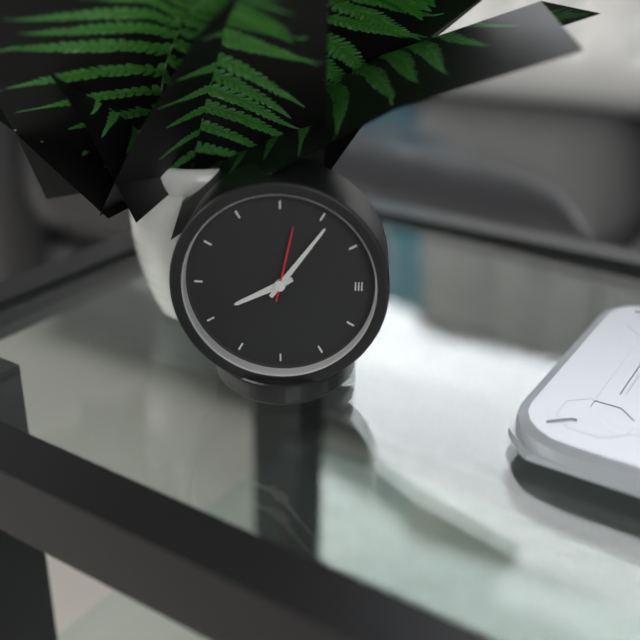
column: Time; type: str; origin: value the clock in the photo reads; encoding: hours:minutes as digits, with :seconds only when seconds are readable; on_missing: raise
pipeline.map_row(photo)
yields 8:06:02
